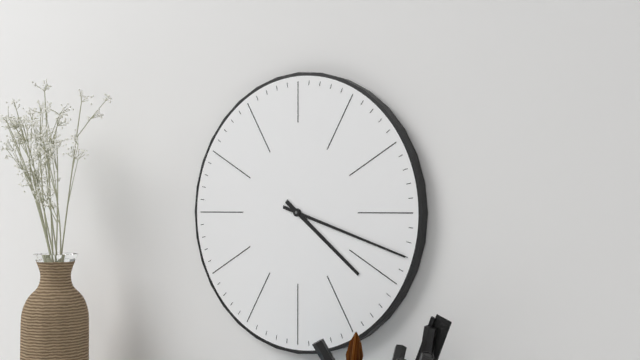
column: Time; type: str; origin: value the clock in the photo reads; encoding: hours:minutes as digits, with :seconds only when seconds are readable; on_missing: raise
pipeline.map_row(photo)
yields 4:18
